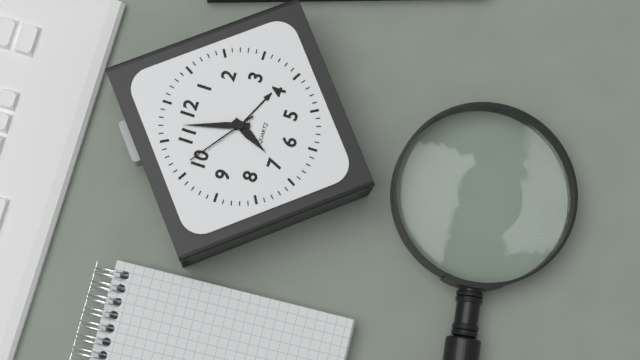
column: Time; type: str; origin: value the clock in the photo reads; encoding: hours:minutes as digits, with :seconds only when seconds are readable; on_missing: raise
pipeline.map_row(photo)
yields 6:57:51
